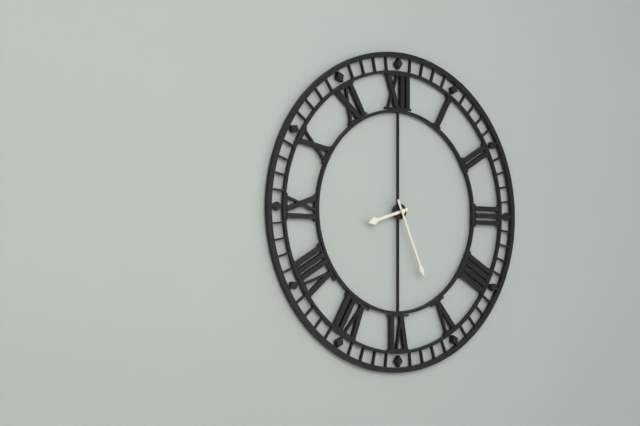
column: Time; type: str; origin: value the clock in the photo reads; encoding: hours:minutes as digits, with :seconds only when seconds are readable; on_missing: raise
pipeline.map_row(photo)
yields 8:26
